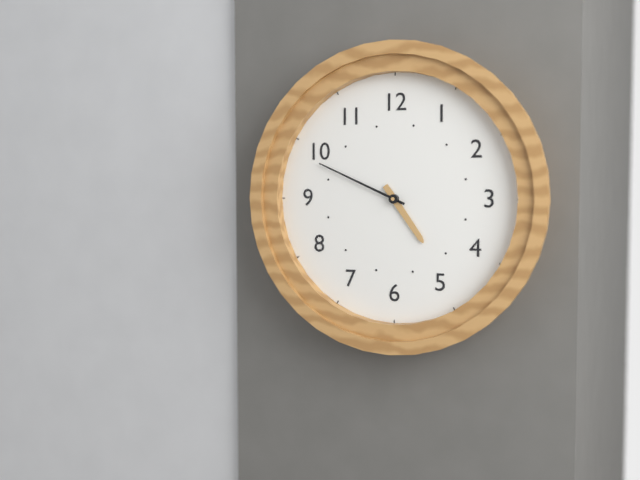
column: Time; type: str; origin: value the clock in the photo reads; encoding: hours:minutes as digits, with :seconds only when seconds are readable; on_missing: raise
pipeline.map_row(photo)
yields 4:49
